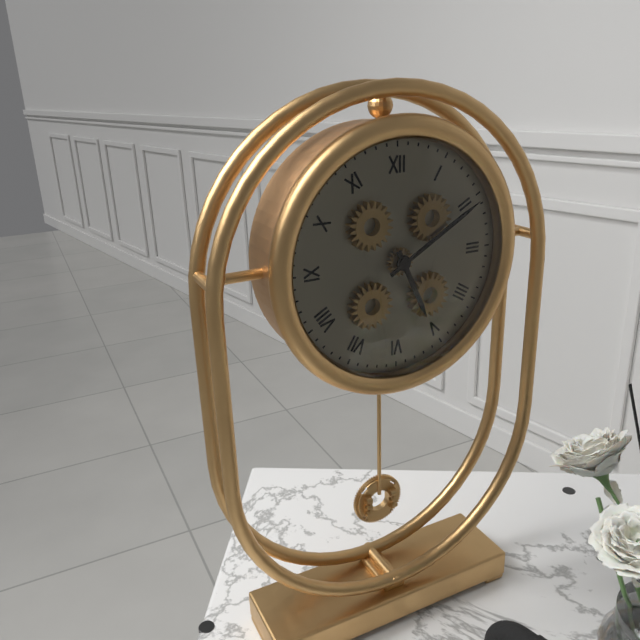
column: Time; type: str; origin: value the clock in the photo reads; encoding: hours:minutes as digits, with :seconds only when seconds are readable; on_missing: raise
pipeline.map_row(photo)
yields 5:10
